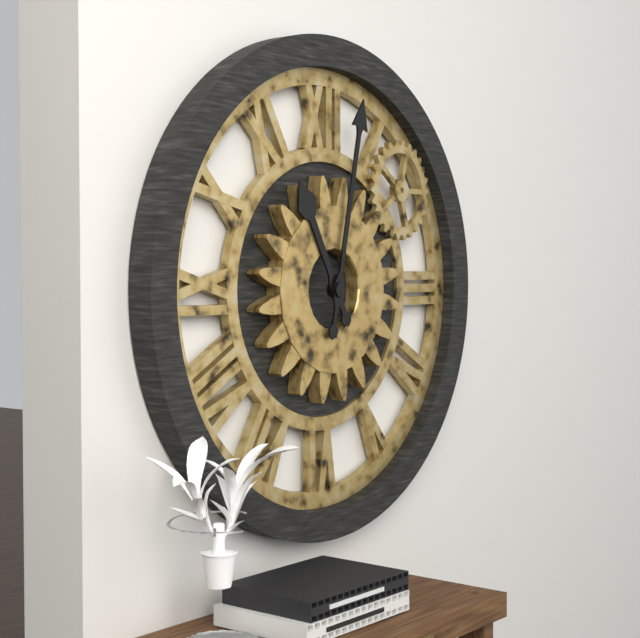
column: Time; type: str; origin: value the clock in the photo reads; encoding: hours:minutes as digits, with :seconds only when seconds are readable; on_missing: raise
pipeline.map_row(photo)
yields 11:02
